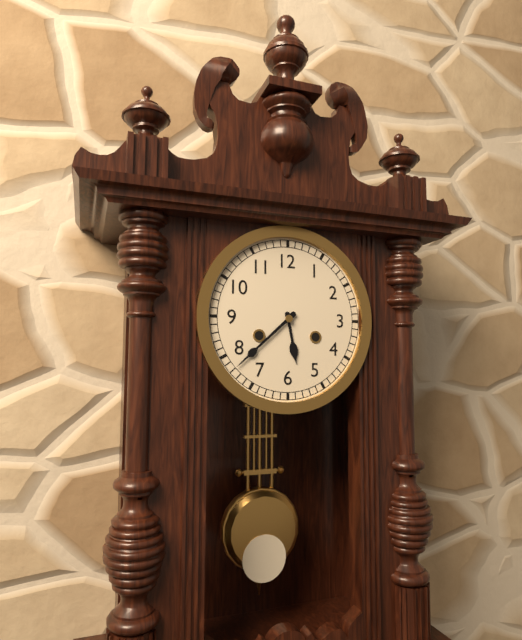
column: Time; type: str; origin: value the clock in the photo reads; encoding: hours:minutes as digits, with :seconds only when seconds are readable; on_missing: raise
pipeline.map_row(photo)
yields 5:38
